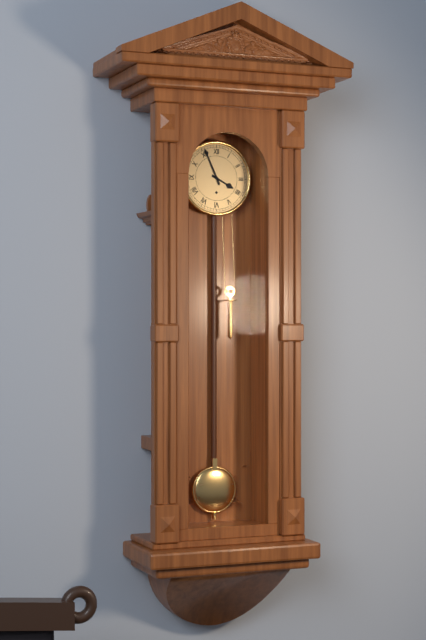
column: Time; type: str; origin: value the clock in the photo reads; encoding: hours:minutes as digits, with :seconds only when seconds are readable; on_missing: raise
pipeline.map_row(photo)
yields 3:56
